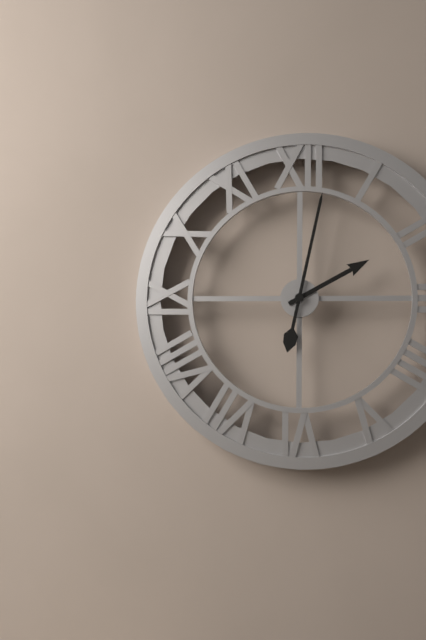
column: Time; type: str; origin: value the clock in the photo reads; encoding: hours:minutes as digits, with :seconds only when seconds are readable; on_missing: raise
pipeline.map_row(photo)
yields 2:02
